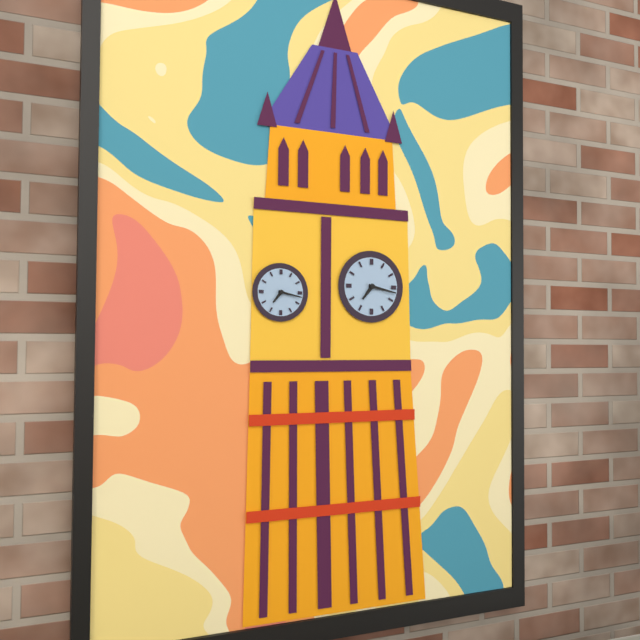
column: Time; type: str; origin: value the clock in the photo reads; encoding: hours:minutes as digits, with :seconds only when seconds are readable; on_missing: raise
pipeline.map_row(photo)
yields 7:17
